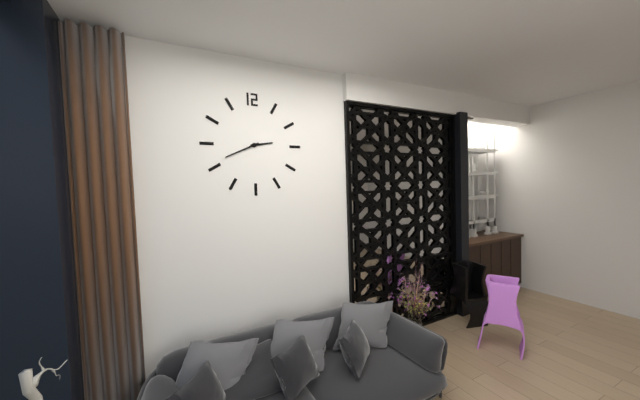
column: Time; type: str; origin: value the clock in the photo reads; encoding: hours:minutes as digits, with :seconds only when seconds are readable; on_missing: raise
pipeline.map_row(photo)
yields 2:41
